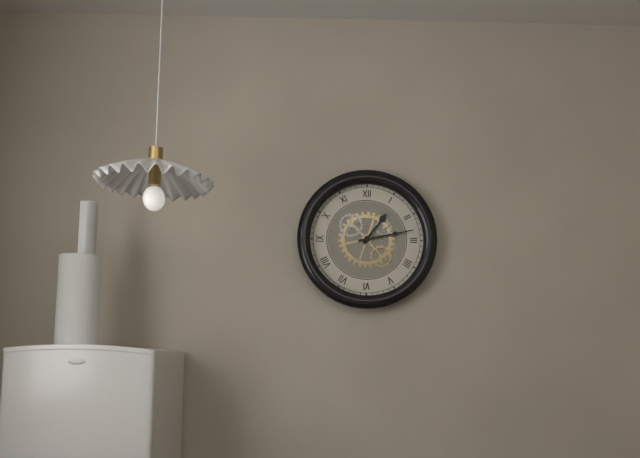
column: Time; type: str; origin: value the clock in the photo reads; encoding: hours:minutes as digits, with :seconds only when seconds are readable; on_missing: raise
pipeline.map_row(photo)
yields 1:13
